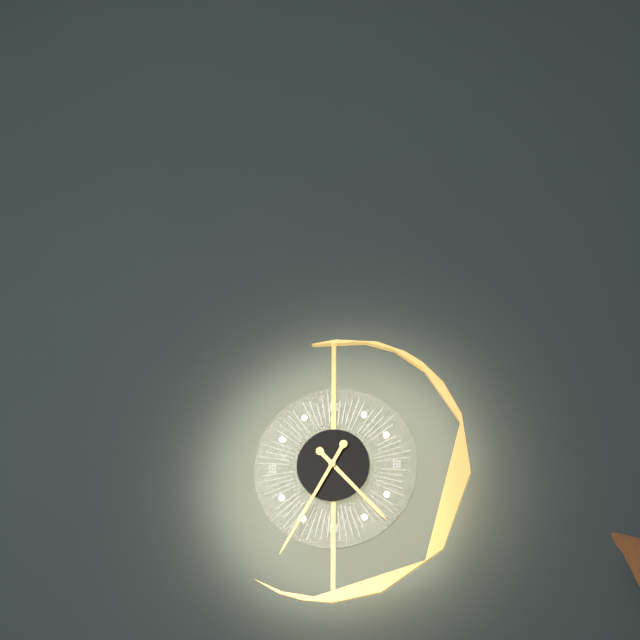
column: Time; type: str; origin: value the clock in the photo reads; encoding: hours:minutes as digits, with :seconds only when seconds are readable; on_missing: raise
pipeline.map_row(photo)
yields 4:35
